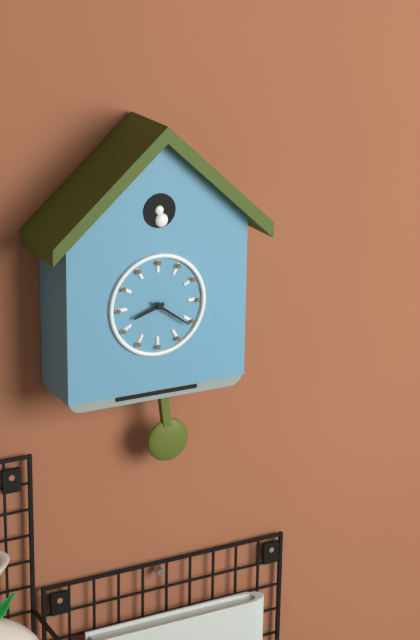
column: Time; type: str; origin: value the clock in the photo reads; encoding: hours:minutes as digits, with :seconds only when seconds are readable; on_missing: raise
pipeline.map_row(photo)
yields 8:21
